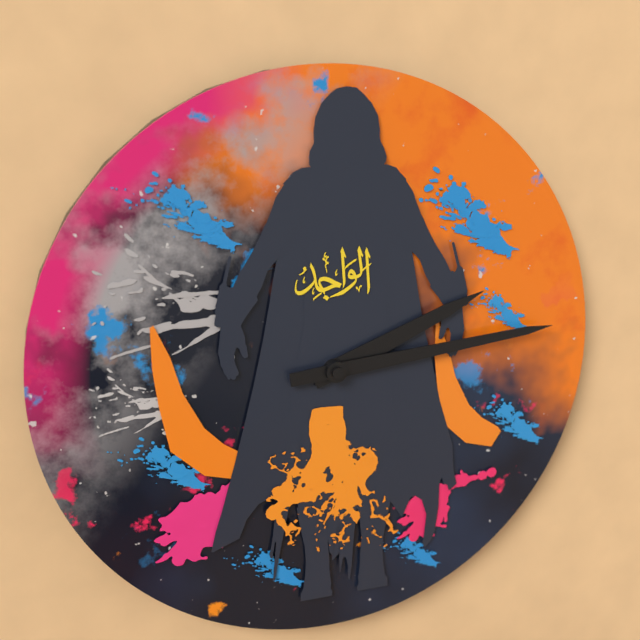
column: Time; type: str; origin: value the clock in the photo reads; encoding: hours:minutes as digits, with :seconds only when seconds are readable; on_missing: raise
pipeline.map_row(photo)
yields 2:14
